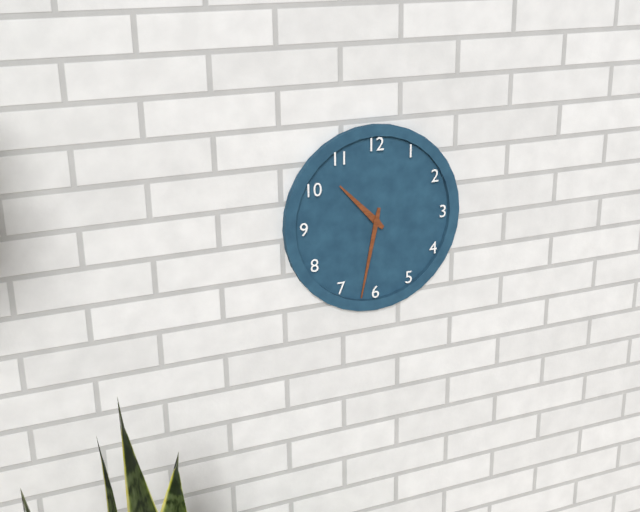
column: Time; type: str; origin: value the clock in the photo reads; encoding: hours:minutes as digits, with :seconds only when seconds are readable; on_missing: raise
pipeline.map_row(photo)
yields 10:32
